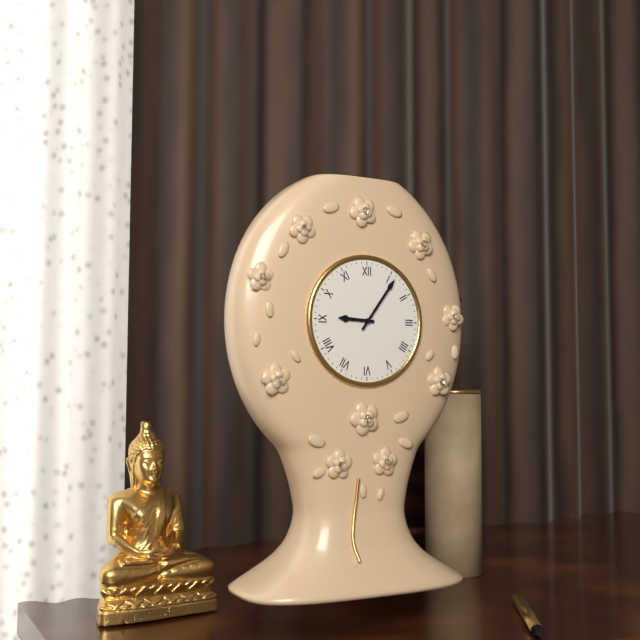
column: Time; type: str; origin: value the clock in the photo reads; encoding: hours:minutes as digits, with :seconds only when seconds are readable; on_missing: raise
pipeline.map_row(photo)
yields 9:06
